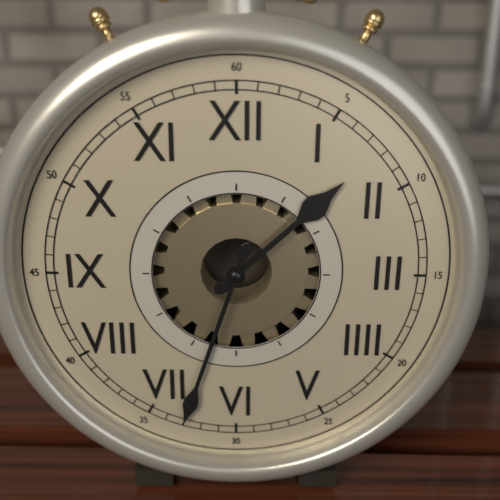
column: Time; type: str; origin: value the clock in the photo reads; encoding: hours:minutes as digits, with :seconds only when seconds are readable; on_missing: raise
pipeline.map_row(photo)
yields 1:33
